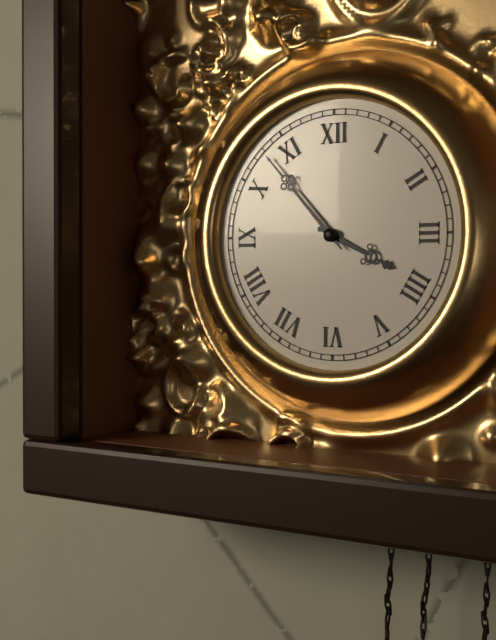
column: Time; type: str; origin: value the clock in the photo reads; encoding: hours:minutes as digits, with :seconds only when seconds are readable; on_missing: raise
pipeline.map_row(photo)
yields 3:53
